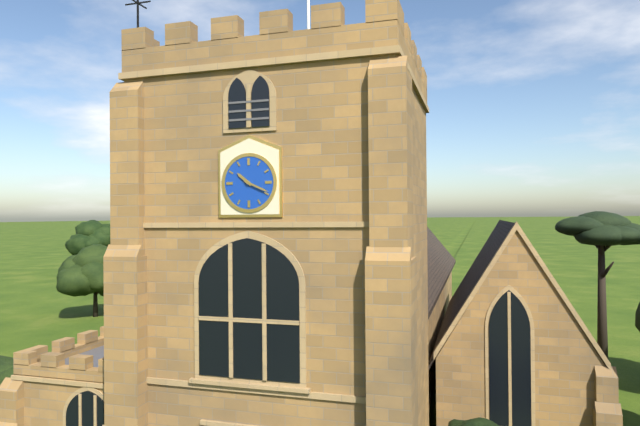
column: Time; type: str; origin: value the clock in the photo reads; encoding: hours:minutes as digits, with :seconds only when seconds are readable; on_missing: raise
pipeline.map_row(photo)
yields 10:19
